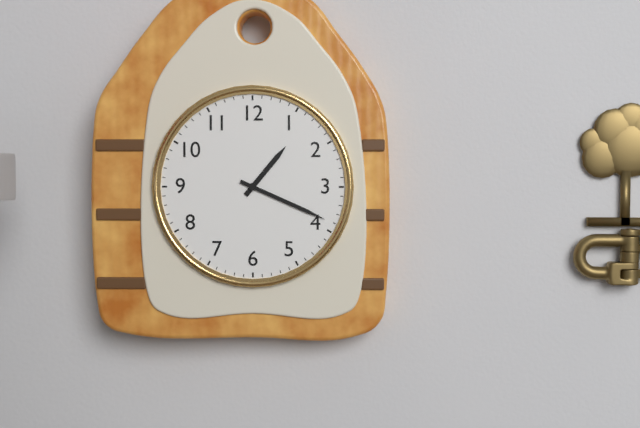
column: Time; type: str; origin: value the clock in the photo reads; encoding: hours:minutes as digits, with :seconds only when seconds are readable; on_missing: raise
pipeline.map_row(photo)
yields 1:19
